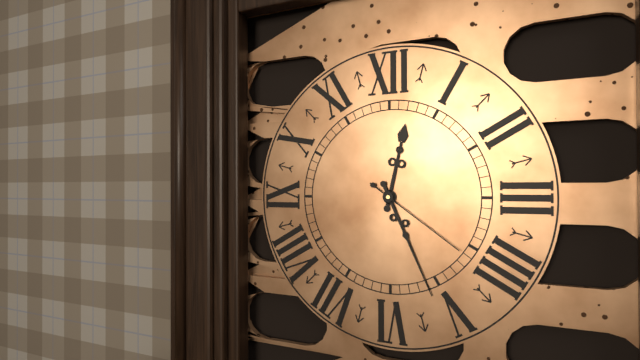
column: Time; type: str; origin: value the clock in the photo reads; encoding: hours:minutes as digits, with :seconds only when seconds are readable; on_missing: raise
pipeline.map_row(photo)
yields 12:26:21
